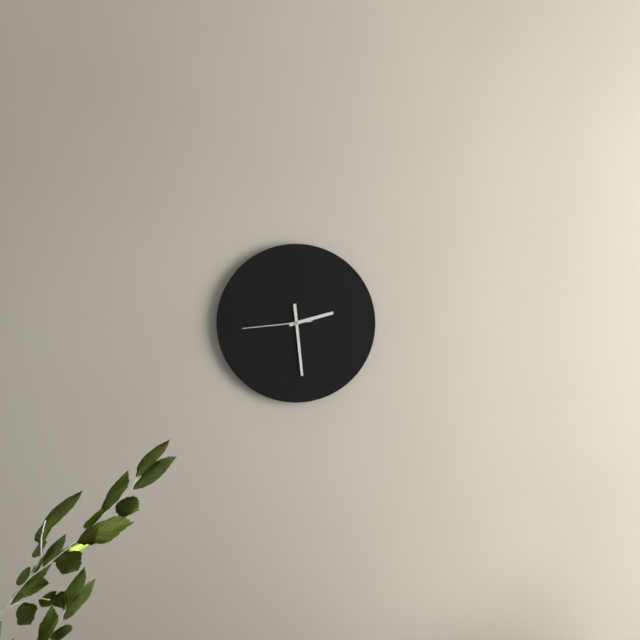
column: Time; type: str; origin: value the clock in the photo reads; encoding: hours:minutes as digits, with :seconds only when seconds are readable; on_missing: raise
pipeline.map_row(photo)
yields 2:29:44
